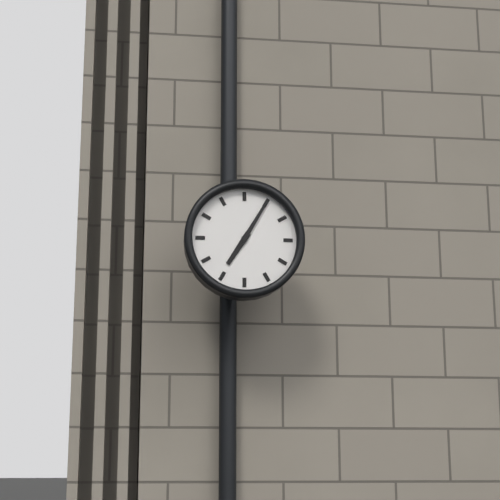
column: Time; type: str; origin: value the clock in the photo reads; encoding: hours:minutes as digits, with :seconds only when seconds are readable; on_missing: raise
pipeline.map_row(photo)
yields 7:05
